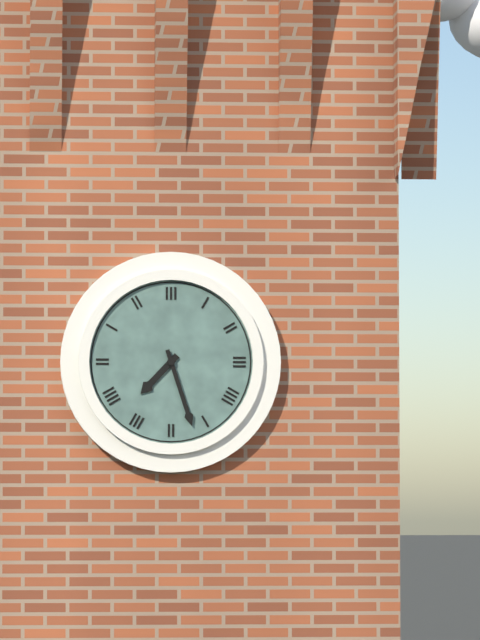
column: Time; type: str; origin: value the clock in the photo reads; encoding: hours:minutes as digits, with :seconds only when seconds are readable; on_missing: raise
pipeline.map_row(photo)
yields 7:27
